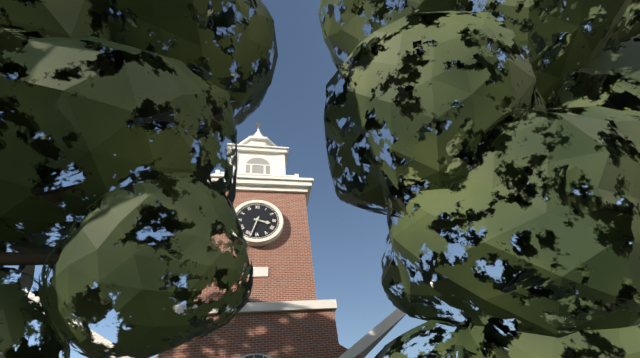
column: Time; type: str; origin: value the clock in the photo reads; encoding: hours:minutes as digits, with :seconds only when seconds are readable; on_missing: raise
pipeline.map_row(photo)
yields 3:33
